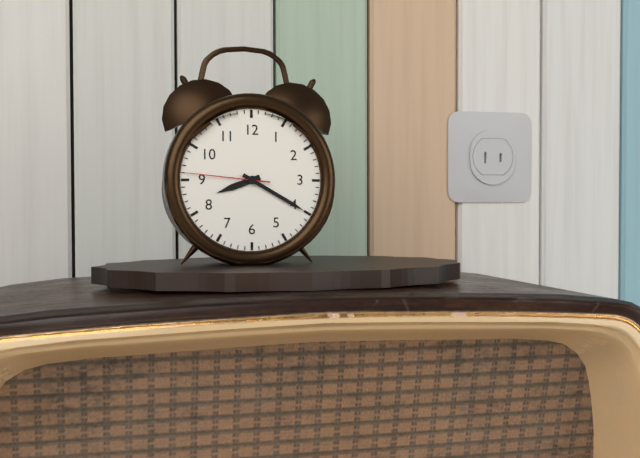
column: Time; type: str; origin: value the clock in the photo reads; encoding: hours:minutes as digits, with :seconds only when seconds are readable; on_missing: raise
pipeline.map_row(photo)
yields 8:20:46
